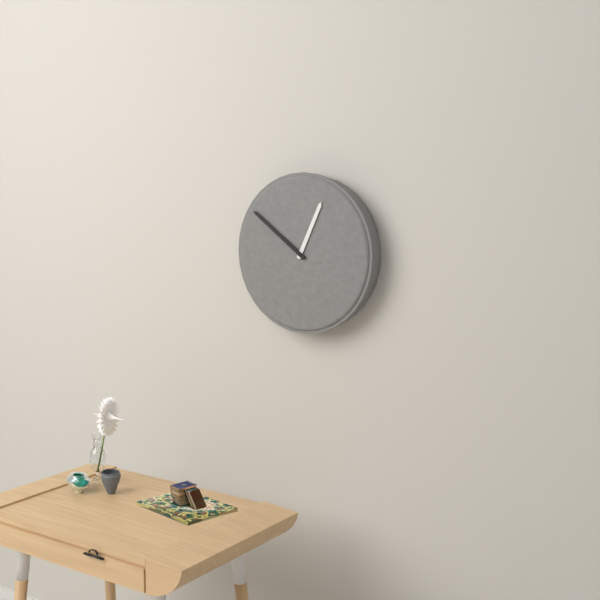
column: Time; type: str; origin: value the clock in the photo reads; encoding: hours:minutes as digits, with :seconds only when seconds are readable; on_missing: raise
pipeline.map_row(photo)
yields 12:51
